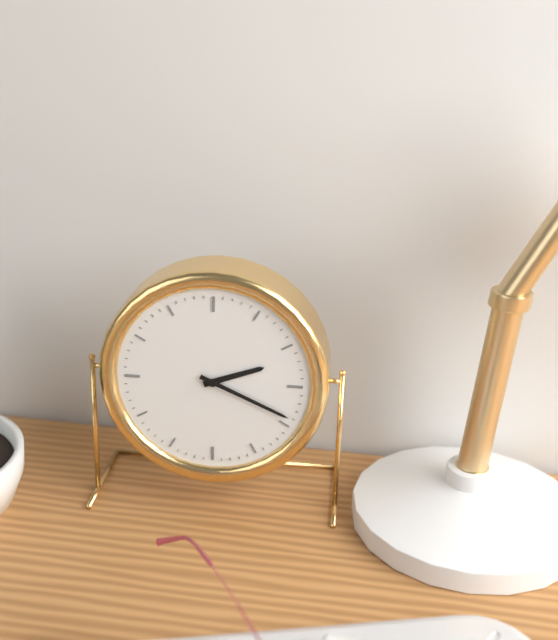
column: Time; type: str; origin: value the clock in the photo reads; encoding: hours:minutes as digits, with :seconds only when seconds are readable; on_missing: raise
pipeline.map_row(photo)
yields 2:19
